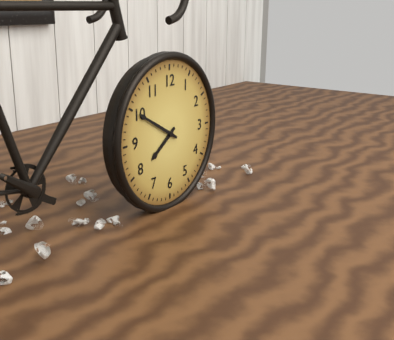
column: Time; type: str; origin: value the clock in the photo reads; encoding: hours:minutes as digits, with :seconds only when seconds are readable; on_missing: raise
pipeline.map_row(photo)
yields 7:50
